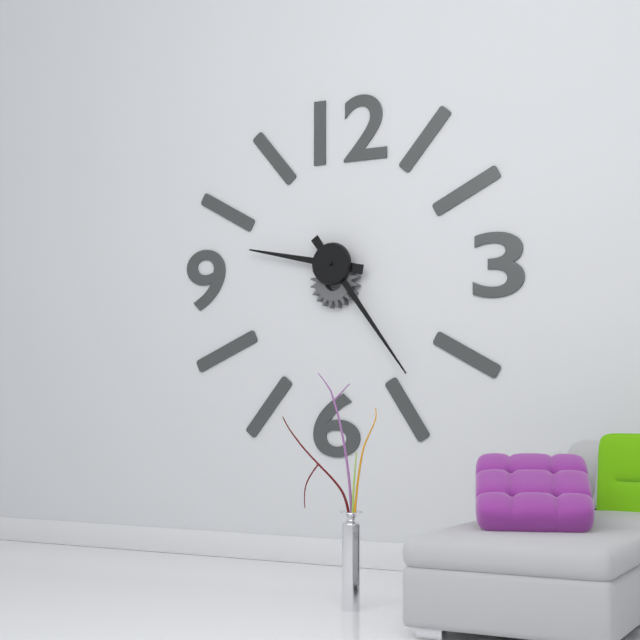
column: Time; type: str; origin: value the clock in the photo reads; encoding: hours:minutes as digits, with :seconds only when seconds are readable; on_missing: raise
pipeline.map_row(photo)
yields 9:24
